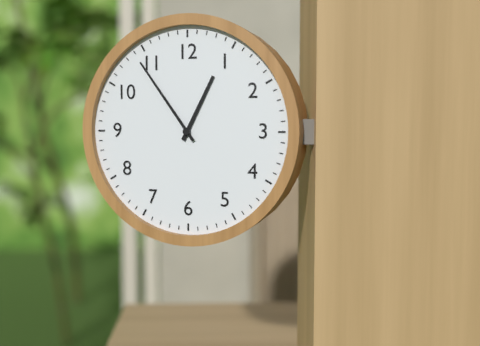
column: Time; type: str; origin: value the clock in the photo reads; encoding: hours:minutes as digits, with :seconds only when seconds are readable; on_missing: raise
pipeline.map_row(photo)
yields 12:54
